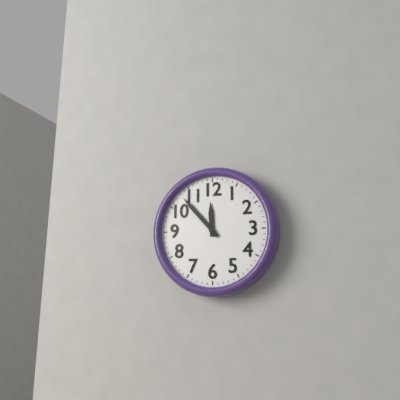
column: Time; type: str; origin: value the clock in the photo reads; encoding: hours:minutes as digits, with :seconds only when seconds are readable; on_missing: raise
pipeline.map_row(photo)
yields 11:53
